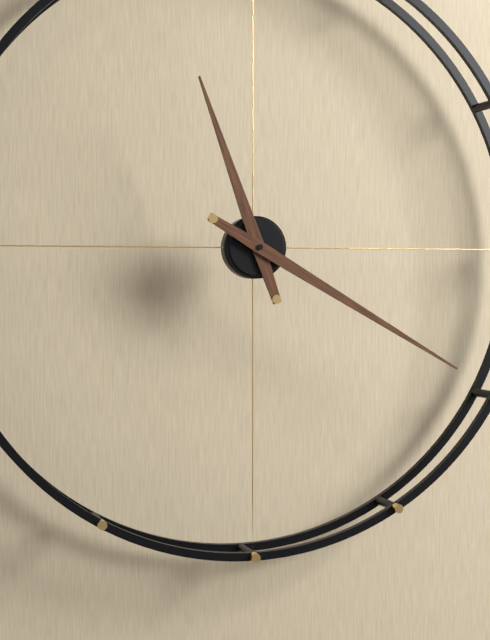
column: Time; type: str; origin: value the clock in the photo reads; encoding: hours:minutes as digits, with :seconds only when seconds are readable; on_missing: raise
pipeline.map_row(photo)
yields 11:20
